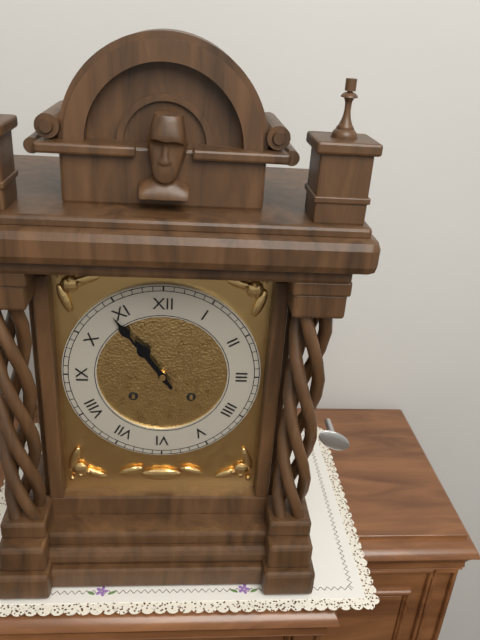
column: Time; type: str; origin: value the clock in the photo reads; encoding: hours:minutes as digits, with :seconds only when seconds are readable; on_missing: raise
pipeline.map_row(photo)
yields 10:54
